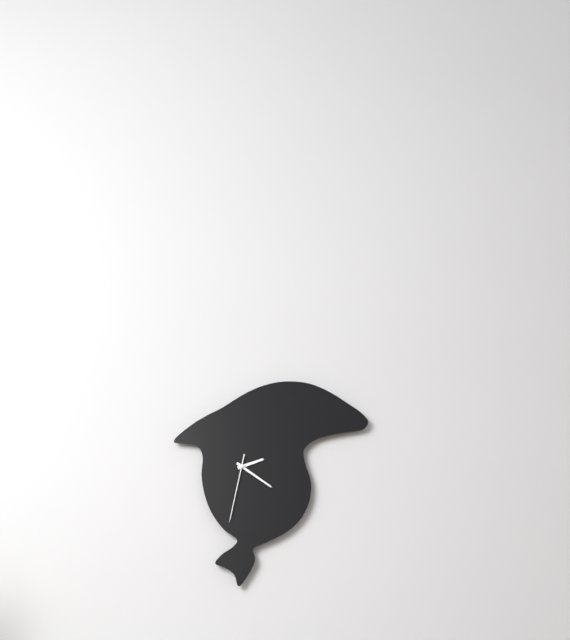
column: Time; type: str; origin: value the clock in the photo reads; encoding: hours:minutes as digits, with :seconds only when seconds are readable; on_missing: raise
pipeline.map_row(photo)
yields 2:21:32
